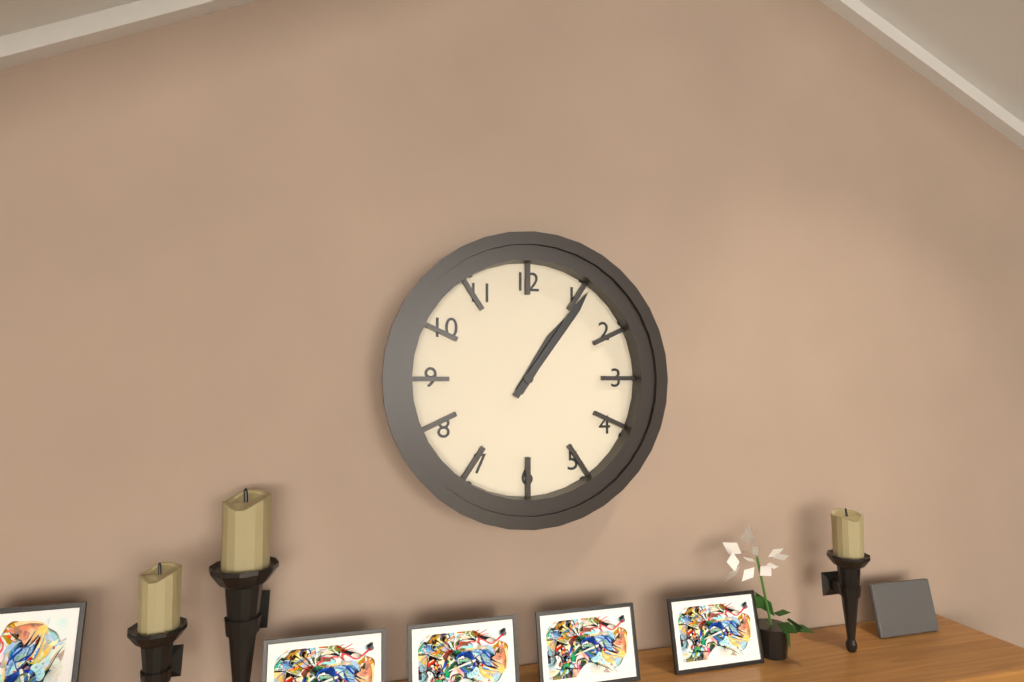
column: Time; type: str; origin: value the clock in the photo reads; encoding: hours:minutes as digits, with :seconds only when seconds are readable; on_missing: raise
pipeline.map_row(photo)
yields 1:06
